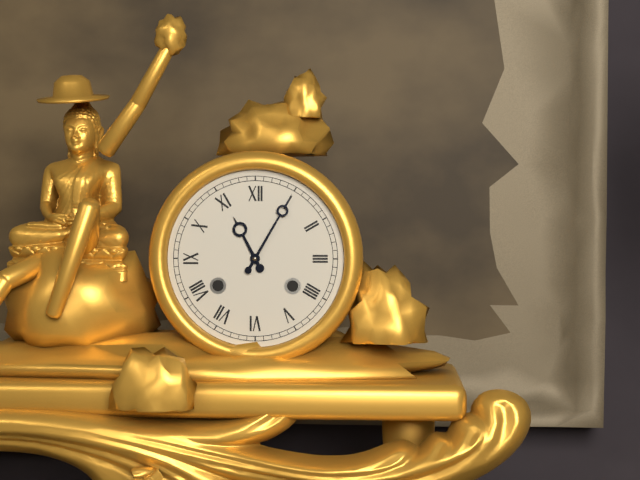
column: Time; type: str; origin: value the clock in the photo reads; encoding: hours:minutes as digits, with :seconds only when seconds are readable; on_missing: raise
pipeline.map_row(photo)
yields 11:05
